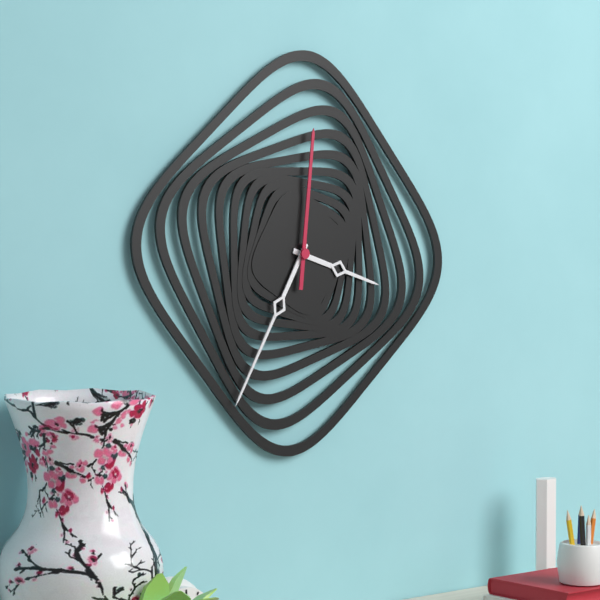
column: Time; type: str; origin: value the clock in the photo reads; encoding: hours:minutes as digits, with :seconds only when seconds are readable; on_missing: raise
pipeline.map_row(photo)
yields 3:35:01
